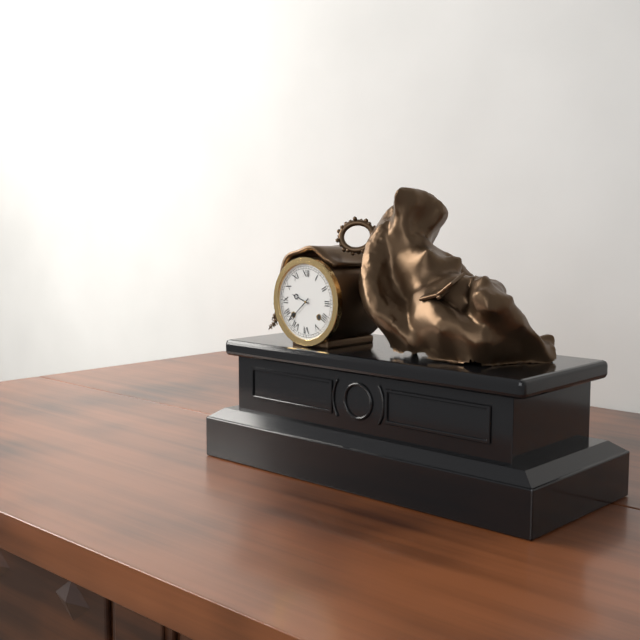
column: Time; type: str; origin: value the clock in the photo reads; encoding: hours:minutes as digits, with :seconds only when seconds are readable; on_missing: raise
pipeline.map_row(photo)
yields 9:38
